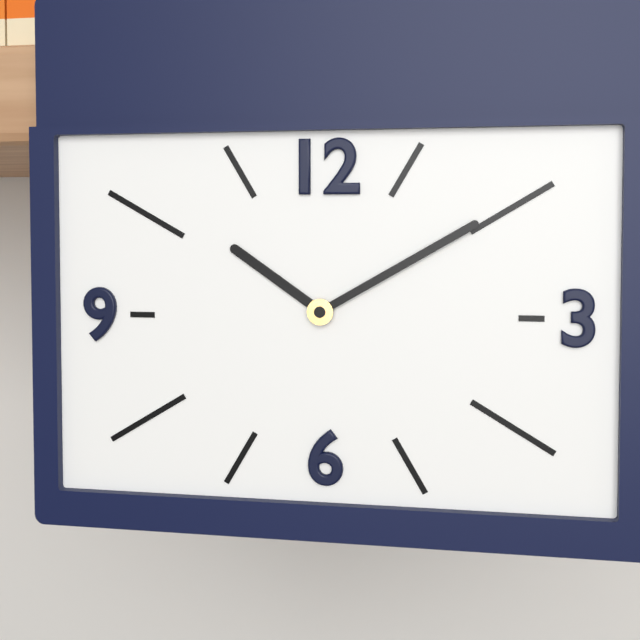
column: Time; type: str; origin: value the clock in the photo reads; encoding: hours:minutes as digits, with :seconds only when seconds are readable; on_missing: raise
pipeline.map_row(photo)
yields 10:10
